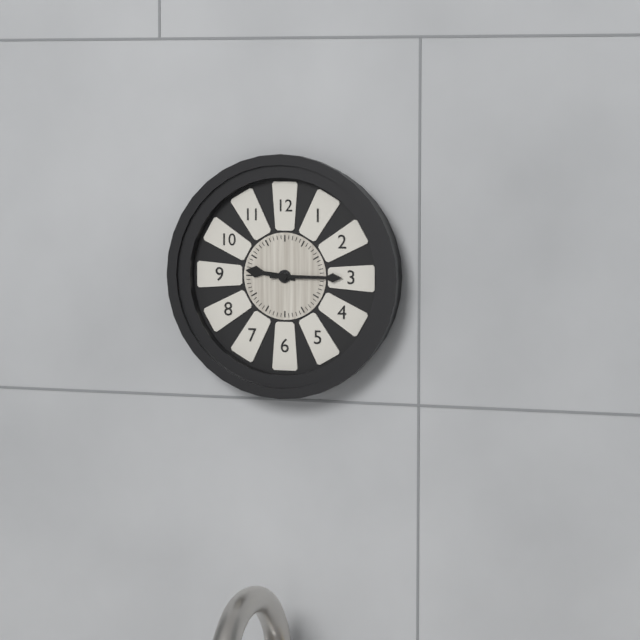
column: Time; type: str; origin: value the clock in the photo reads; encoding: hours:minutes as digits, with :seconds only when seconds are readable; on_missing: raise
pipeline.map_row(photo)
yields 9:15
